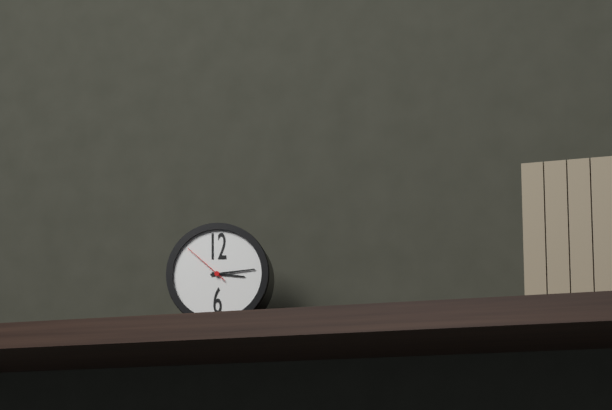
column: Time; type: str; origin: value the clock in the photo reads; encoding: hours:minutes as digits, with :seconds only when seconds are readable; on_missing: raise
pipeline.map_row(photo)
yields 3:14
